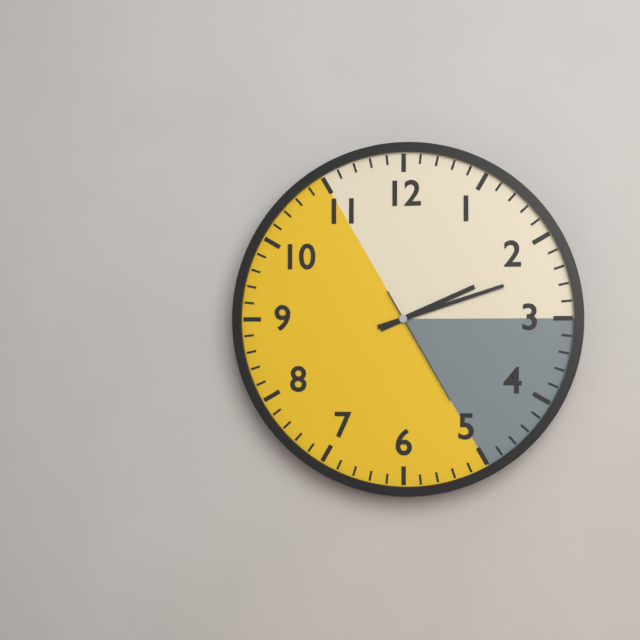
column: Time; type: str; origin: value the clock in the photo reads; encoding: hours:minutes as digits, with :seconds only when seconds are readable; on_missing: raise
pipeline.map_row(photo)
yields 2:12:25
